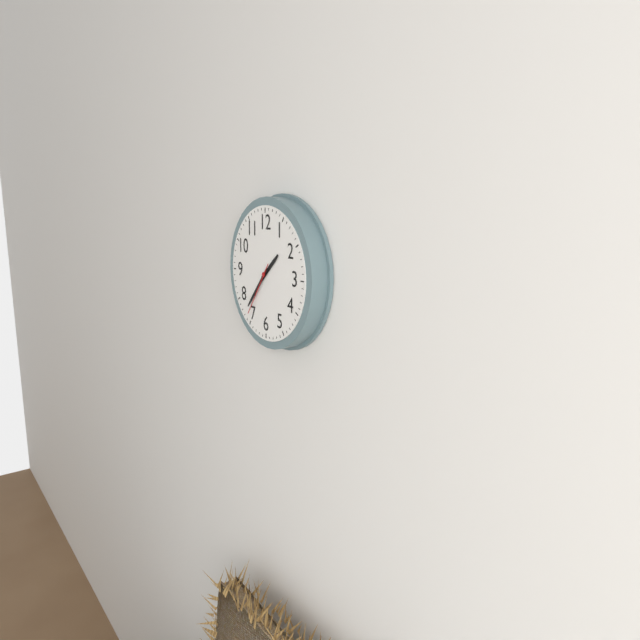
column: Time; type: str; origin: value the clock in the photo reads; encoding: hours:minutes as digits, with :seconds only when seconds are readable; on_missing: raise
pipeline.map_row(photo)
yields 1:37:36
